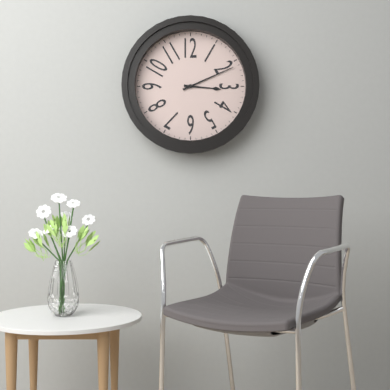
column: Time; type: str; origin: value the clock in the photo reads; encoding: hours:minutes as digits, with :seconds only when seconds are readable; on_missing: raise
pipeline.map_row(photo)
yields 3:11
